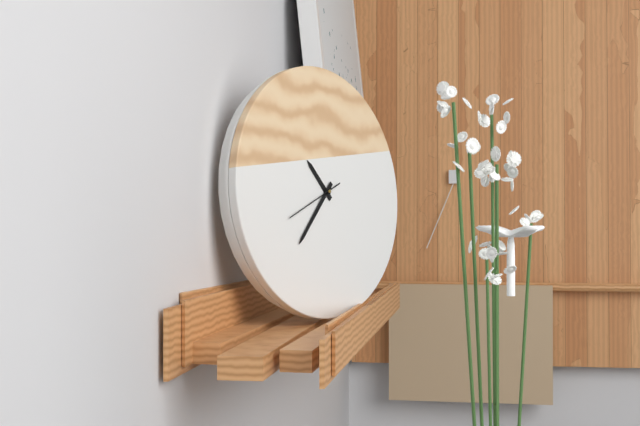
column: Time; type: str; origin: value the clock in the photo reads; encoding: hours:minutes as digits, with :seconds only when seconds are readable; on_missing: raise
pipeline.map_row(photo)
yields 10:37:41
